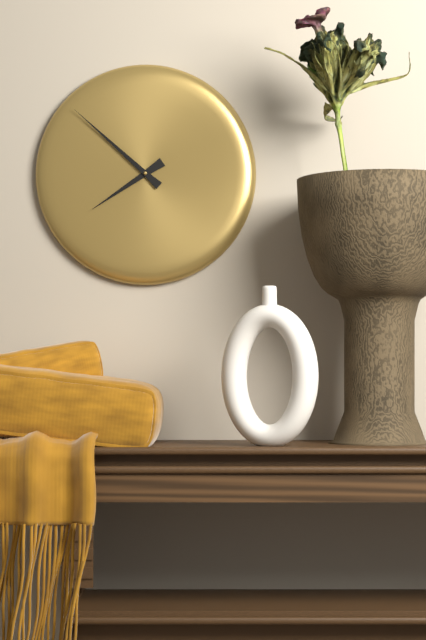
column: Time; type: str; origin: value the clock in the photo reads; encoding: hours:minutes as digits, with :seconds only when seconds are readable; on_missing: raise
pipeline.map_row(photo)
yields 7:52
